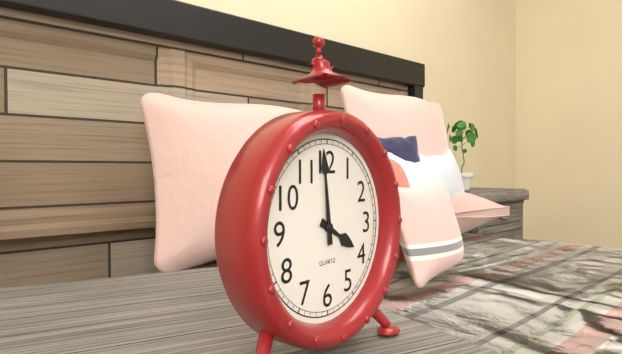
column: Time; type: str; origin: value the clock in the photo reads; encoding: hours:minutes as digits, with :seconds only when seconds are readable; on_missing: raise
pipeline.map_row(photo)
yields 3:59
